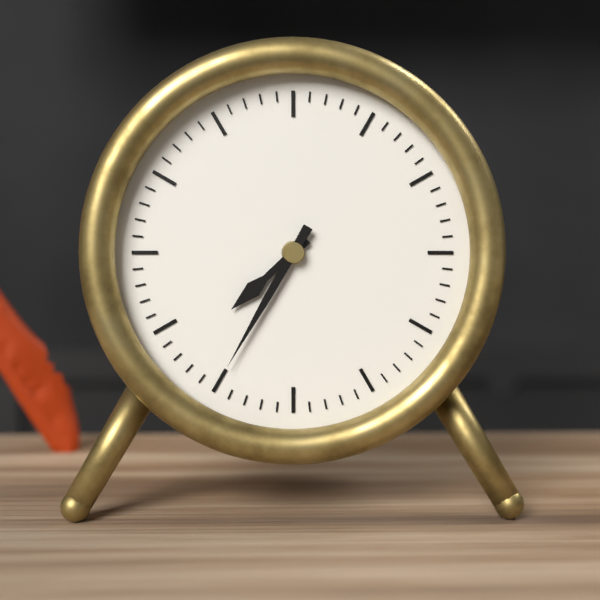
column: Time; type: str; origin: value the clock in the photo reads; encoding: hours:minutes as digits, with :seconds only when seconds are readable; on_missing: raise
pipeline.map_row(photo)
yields 7:35
